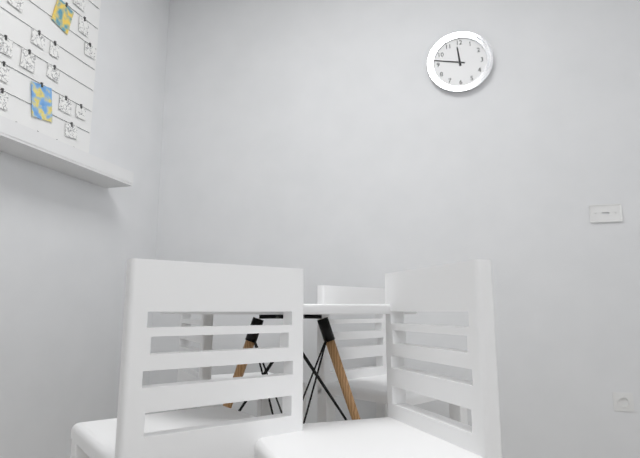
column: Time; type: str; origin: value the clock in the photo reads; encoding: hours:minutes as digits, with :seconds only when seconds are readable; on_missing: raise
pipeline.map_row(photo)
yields 11:47
